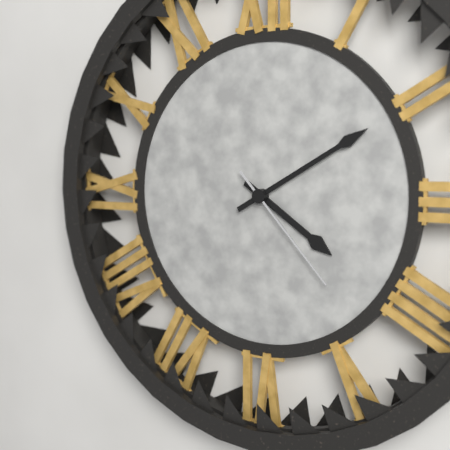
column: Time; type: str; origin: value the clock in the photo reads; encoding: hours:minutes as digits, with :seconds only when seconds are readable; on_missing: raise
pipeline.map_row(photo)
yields 4:10:23
